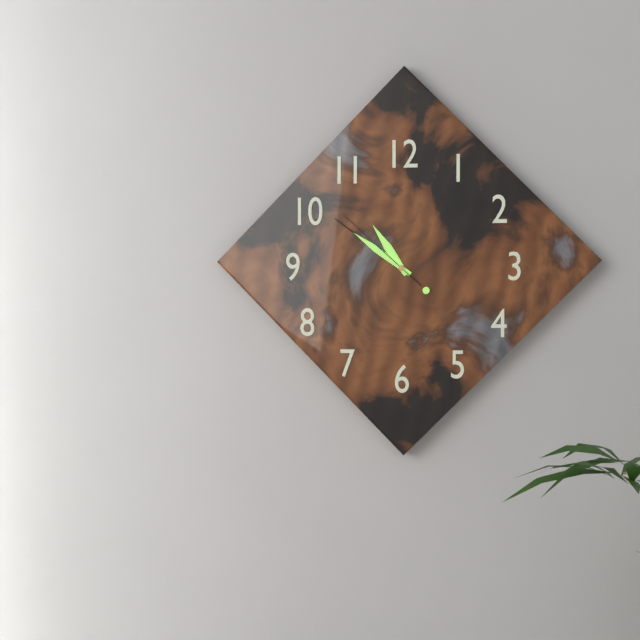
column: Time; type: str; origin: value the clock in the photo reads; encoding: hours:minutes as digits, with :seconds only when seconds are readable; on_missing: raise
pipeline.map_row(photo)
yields 10:51:52
